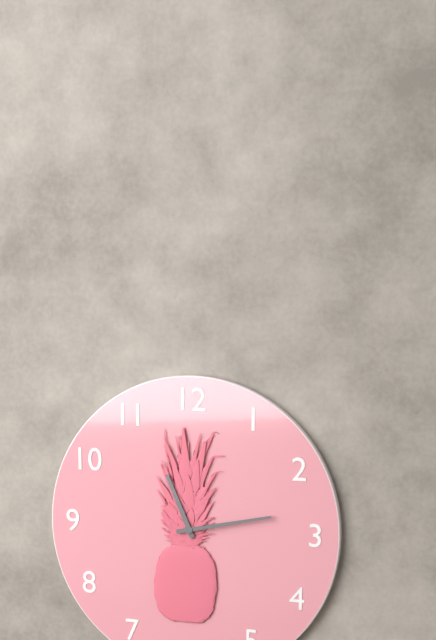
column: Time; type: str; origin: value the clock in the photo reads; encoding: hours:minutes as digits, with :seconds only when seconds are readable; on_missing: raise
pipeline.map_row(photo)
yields 11:13
